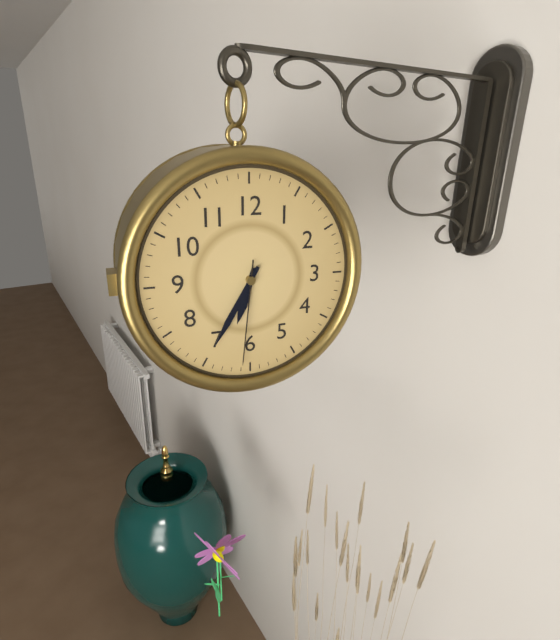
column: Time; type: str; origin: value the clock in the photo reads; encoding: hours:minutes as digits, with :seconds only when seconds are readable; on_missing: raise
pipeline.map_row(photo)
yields 6:35:31
